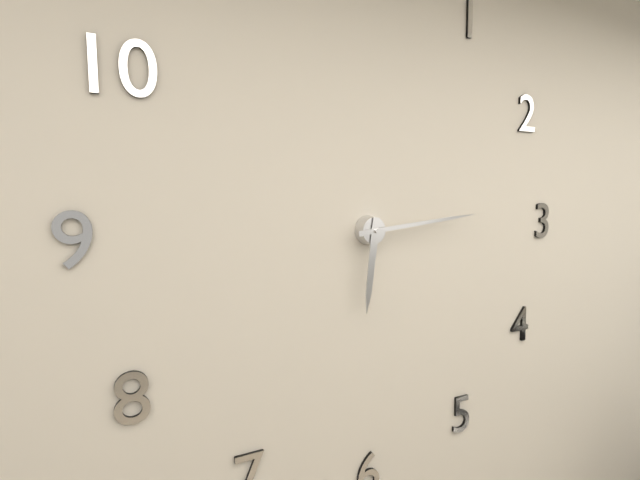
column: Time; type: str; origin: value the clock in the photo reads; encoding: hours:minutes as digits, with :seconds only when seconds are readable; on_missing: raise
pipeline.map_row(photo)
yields 6:14
